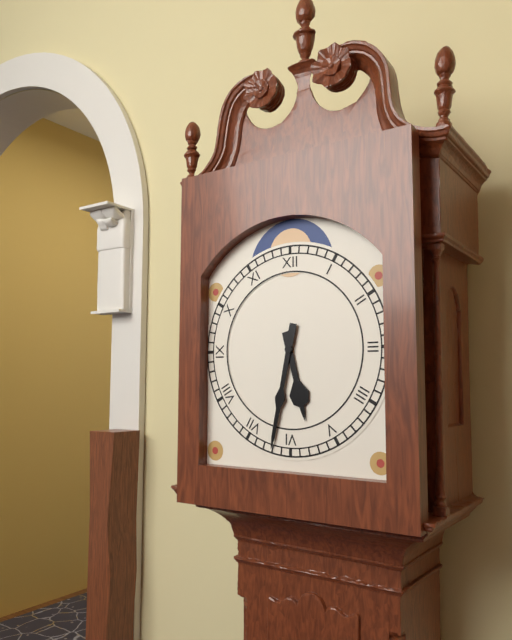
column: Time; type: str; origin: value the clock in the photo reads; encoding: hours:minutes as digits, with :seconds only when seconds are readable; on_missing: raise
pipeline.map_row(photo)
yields 5:32
